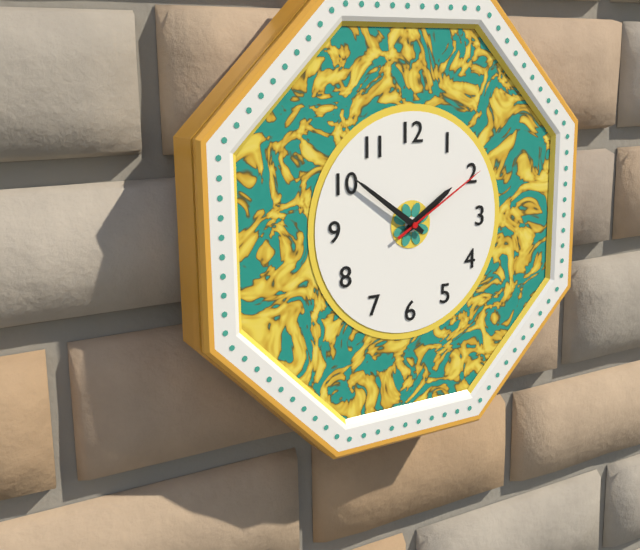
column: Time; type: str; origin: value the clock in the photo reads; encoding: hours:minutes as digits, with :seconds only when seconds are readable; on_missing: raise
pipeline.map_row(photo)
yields 1:51:10
